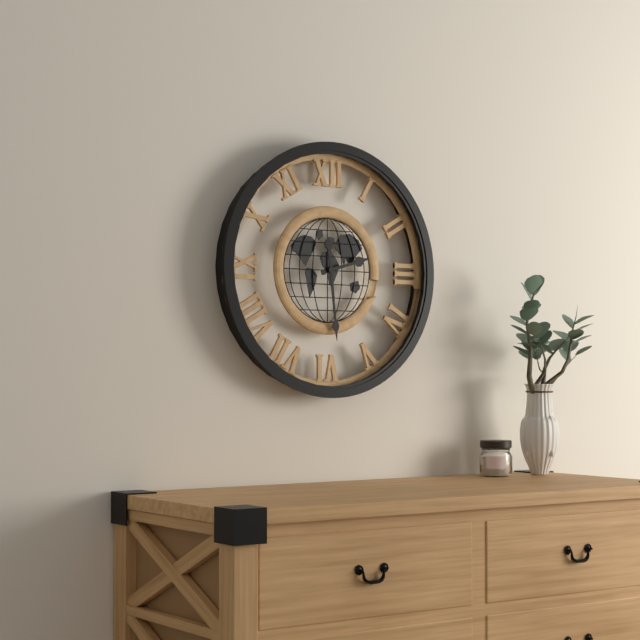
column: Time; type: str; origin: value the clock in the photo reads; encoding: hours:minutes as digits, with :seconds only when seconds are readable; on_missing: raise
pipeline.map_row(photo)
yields 2:29
